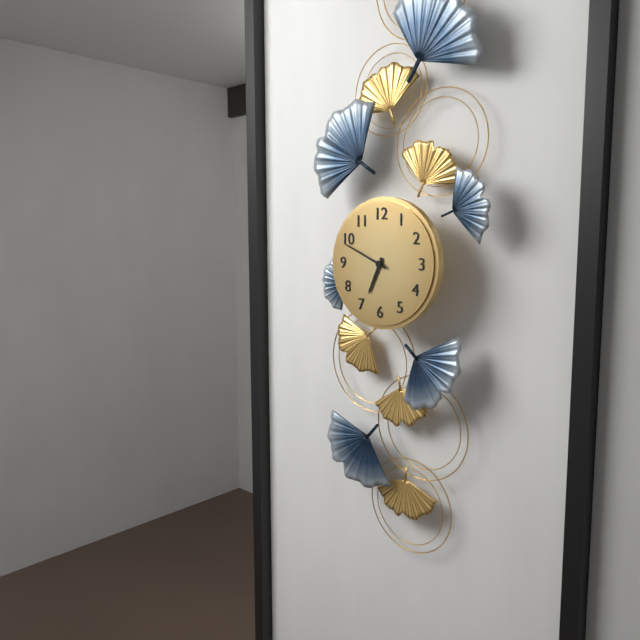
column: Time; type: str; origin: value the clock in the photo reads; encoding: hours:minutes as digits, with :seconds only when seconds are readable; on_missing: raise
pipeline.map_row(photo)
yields 6:49
